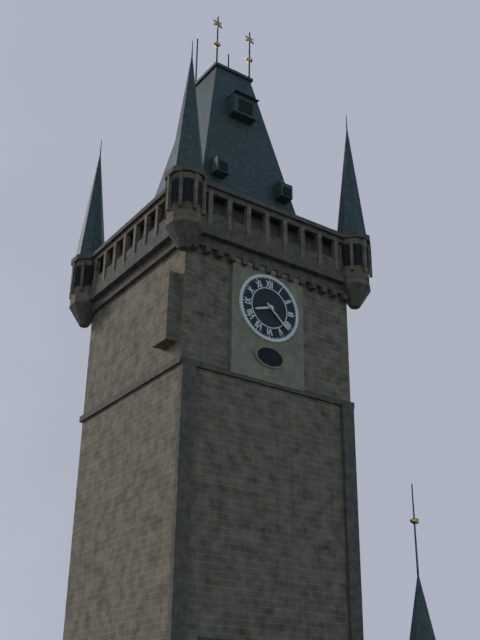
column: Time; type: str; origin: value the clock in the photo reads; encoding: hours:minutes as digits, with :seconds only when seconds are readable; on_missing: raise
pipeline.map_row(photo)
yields 8:22
